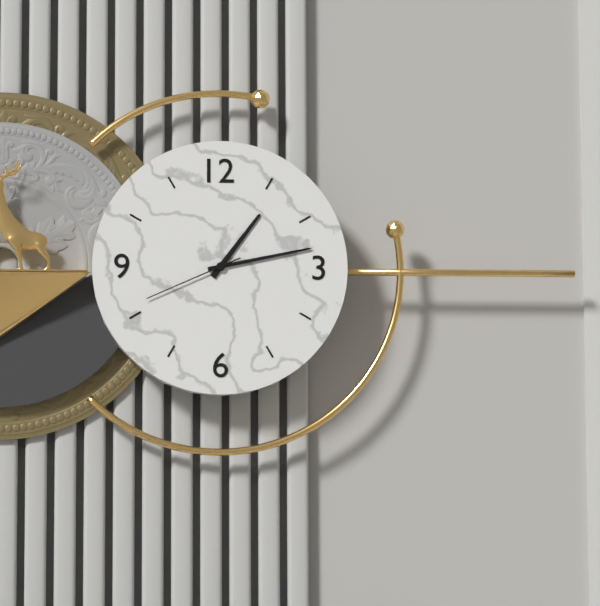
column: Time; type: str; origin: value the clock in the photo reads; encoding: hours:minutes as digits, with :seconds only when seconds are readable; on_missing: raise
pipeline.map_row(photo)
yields 1:13:41
